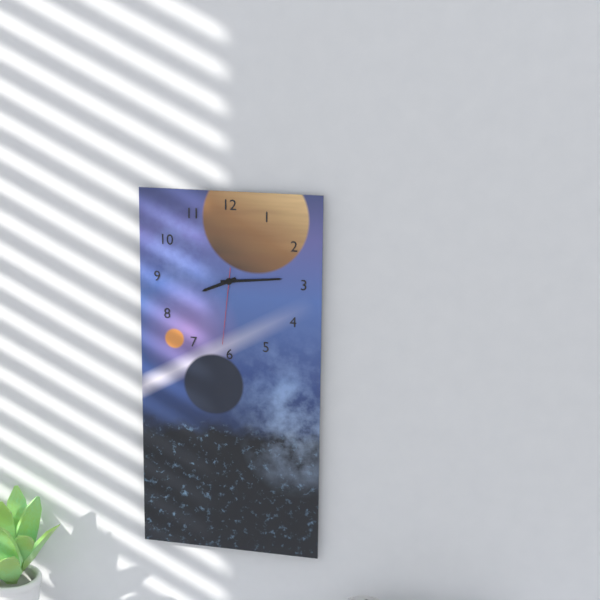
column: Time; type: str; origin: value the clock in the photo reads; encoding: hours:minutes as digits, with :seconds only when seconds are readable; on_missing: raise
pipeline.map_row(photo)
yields 8:14:31
